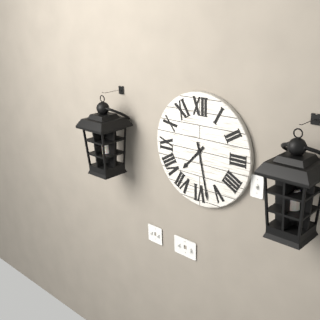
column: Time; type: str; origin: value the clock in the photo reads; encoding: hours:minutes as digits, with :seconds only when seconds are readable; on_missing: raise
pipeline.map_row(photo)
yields 7:28
